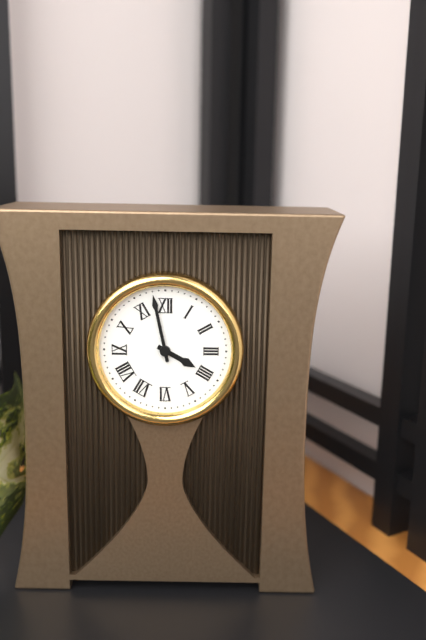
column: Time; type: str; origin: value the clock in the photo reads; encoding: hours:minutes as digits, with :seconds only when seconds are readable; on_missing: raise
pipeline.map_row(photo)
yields 3:58
